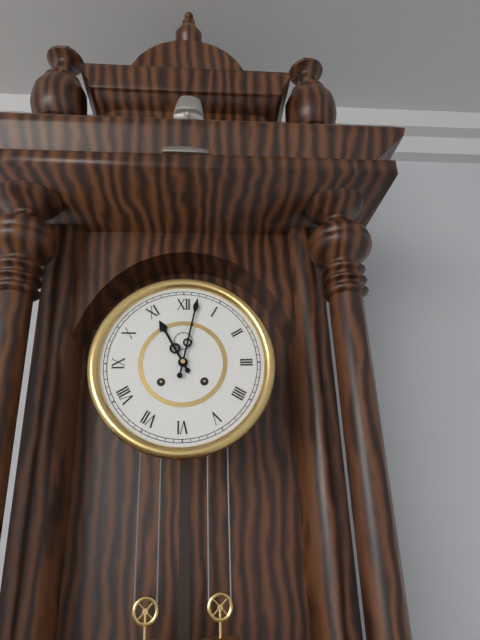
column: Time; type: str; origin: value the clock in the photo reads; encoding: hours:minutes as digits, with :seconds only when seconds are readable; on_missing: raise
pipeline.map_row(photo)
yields 11:02
